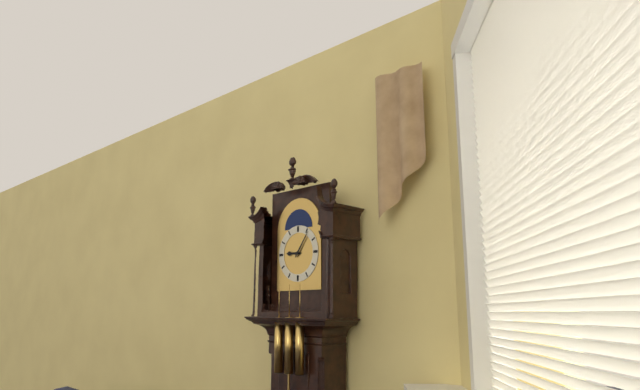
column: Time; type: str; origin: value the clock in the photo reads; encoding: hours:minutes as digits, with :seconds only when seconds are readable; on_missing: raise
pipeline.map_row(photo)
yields 9:06
